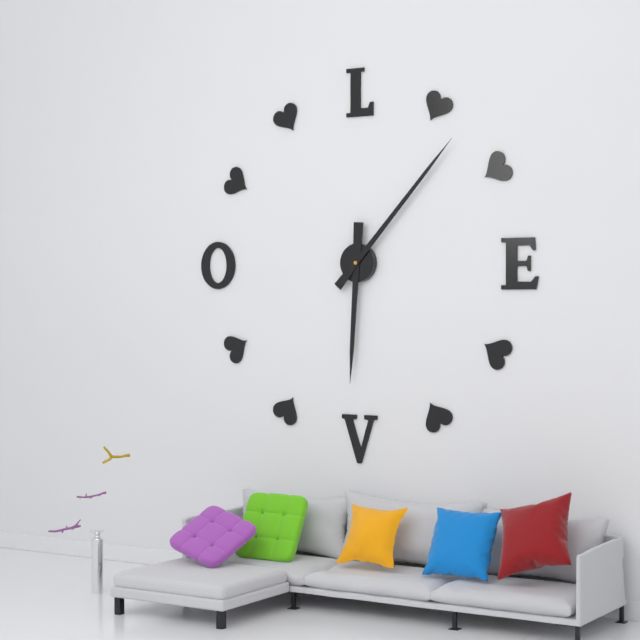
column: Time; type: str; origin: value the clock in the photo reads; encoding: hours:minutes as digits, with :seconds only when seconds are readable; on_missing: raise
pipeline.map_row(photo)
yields 6:07
